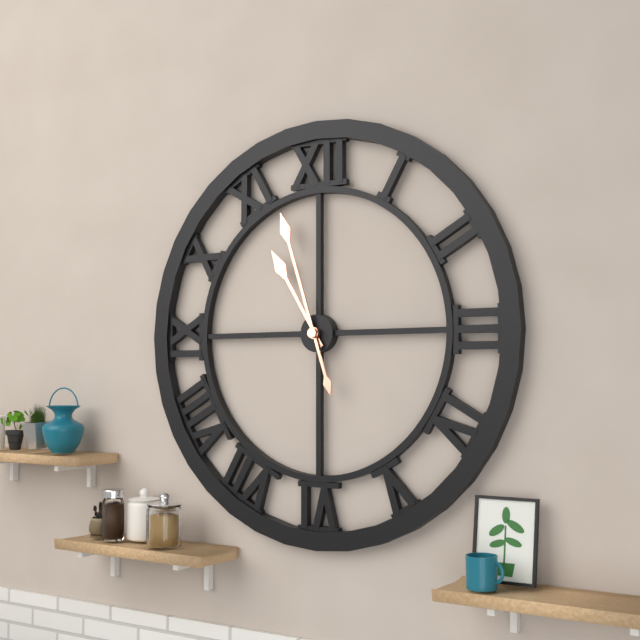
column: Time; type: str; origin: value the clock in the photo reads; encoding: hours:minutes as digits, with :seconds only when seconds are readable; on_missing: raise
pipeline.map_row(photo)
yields 10:57
